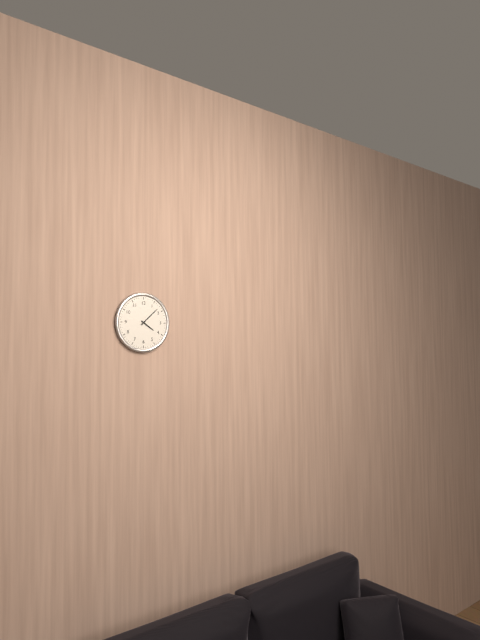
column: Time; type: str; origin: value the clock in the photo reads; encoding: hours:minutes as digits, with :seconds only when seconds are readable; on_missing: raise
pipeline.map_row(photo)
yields 4:08
